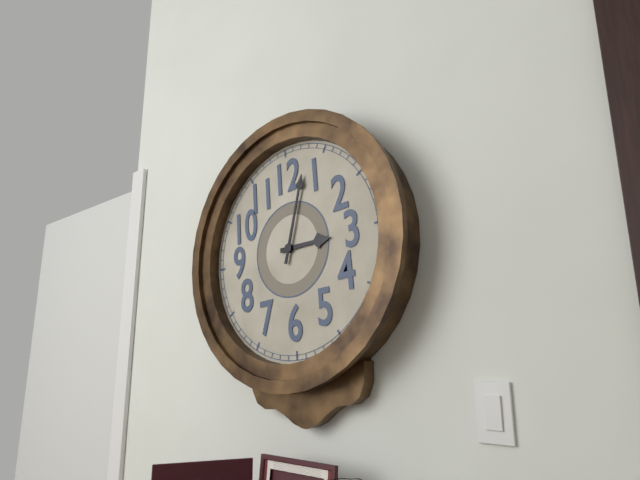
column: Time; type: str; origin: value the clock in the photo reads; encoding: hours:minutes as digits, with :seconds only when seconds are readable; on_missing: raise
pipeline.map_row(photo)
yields 3:03
